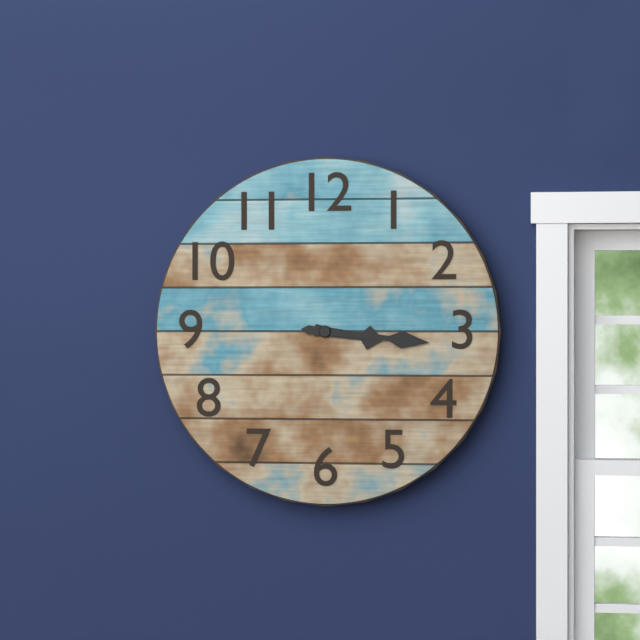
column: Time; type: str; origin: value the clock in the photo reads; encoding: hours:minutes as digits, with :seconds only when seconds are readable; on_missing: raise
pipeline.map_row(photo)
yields 3:16
